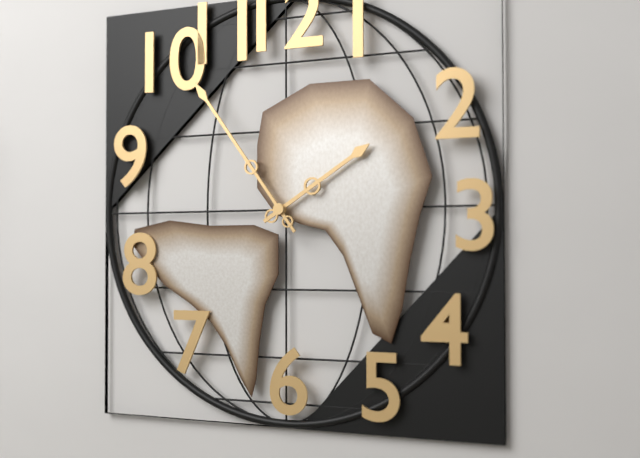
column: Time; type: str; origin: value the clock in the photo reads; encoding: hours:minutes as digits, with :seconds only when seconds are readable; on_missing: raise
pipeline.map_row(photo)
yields 1:54
